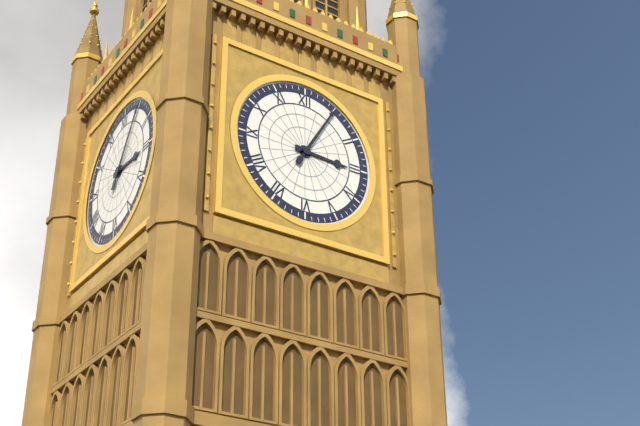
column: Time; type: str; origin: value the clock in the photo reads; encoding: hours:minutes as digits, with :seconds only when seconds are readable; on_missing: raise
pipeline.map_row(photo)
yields 3:05
